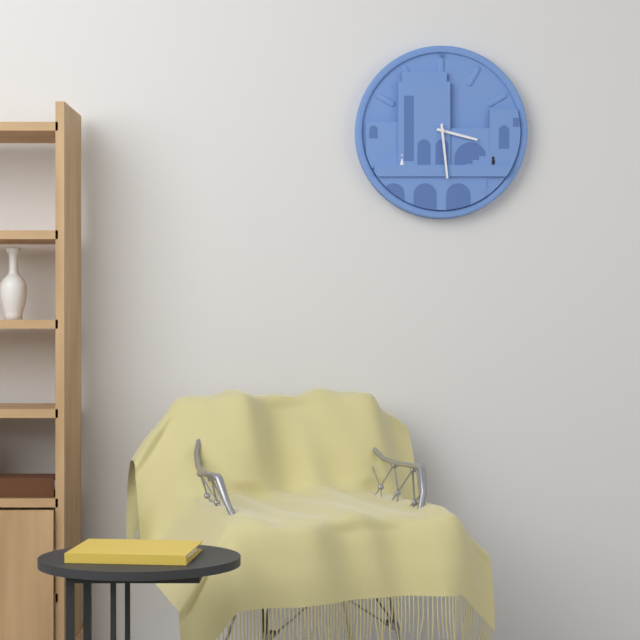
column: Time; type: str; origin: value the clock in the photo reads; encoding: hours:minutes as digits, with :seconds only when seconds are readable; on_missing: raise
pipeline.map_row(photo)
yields 3:29
